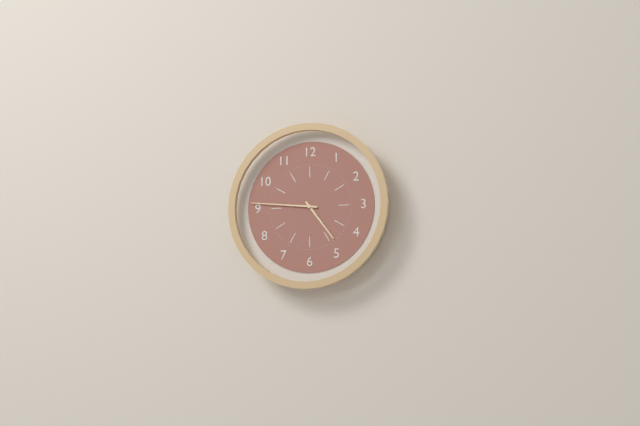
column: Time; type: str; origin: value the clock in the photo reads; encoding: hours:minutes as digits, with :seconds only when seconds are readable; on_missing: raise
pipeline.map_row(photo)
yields 4:46
